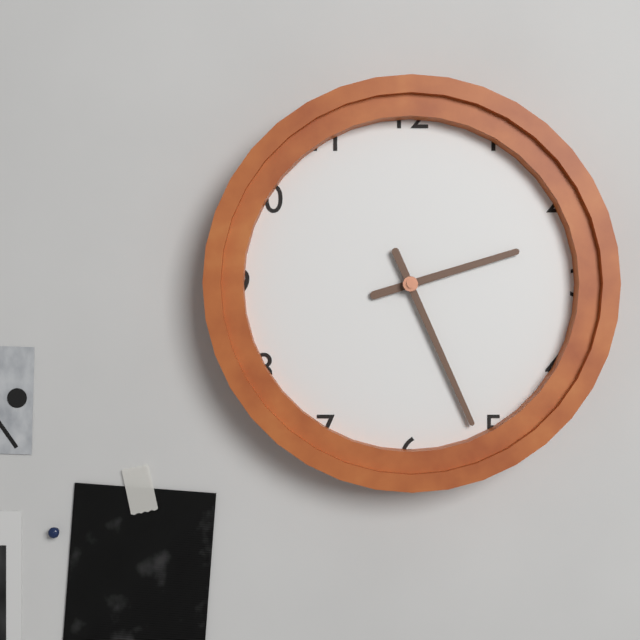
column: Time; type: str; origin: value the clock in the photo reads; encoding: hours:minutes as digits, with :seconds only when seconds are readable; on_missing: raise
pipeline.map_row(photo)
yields 2:26
